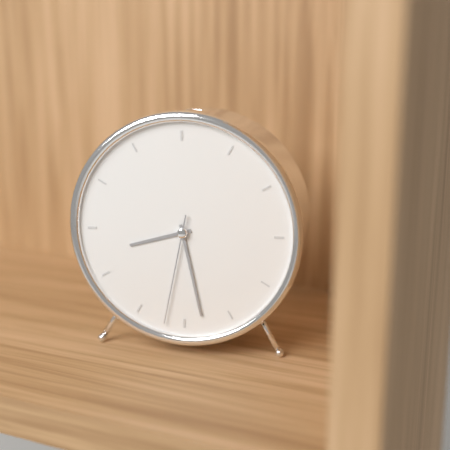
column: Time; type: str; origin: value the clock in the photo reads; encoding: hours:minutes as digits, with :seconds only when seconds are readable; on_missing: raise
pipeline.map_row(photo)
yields 8:28:32
